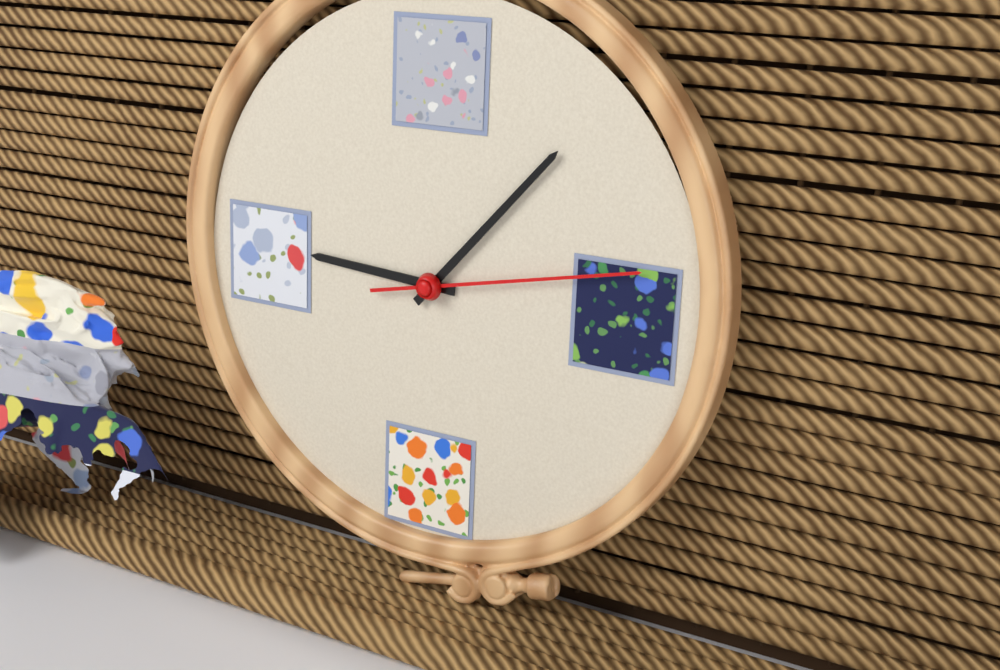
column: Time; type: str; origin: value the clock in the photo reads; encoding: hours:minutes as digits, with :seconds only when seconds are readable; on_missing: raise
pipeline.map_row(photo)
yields 9:07:13
